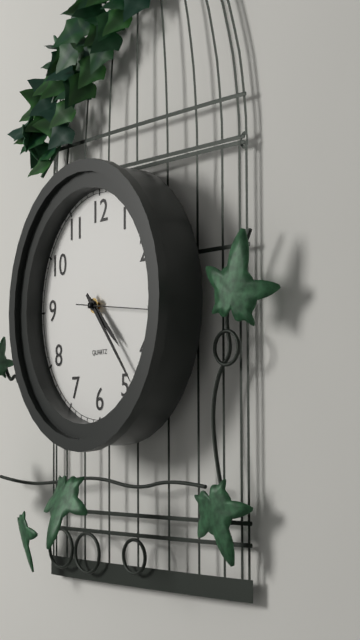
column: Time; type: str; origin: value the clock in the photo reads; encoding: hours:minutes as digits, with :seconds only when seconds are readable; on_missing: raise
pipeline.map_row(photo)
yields 4:23:16
